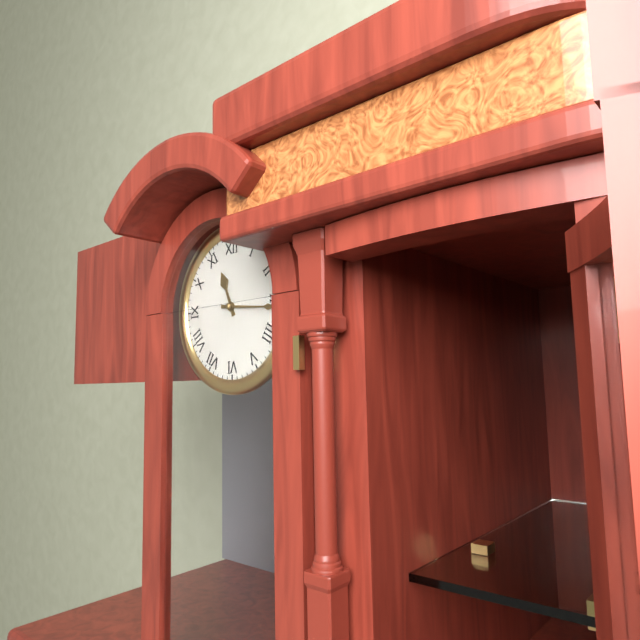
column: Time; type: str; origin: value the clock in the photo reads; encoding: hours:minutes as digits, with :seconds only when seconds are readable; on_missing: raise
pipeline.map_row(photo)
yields 11:16
